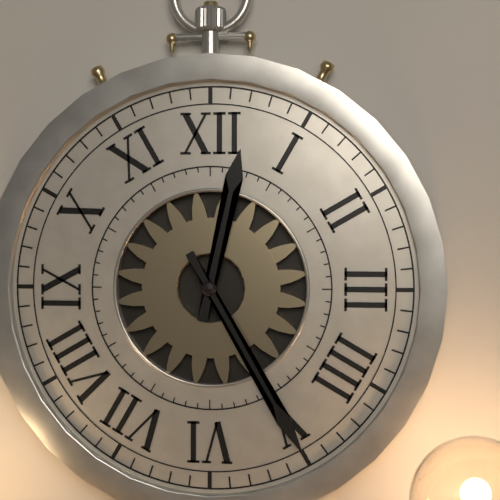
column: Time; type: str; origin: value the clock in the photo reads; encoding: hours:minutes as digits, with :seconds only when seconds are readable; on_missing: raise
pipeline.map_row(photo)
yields 12:25
